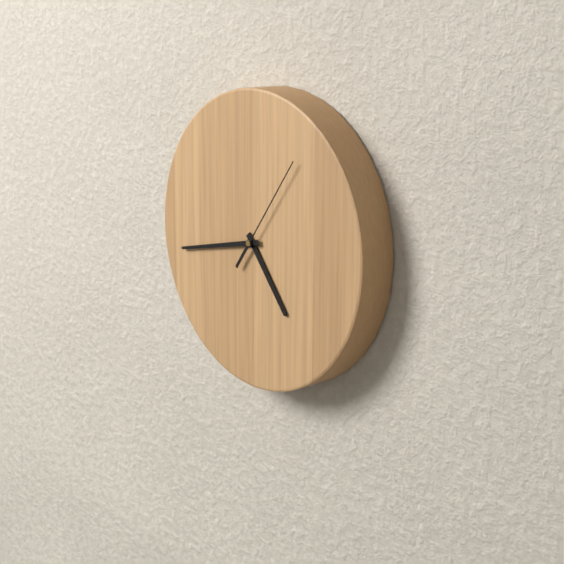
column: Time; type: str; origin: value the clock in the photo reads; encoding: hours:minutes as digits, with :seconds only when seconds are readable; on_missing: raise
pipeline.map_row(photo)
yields 4:43:06
